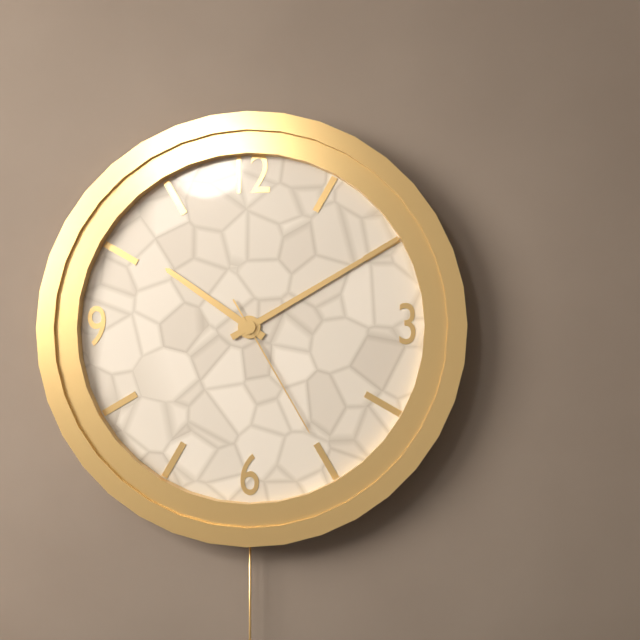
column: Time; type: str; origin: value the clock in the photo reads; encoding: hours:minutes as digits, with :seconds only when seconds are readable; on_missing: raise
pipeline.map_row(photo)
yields 10:10:25
